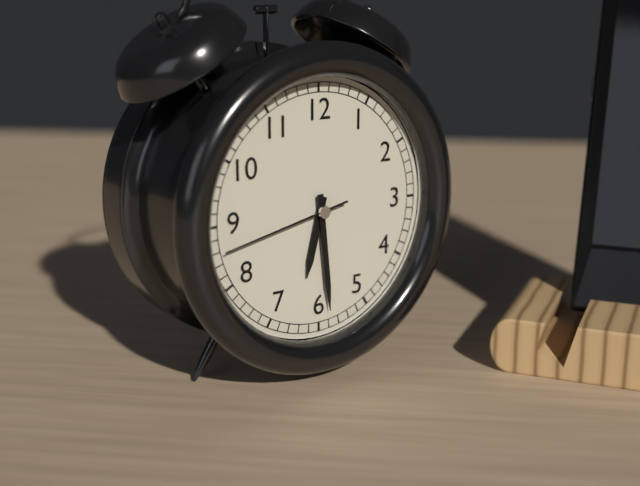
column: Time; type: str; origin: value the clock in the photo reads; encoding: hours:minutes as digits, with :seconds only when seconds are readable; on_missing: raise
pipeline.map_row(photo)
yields 6:29:43
